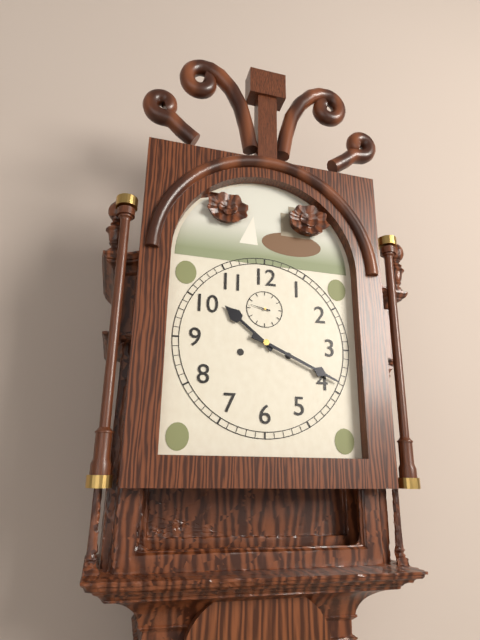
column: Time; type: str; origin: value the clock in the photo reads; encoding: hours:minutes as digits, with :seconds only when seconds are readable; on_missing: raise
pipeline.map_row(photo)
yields 10:19
